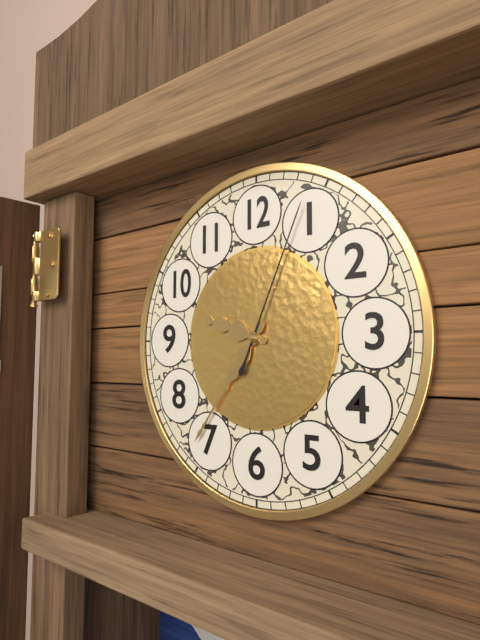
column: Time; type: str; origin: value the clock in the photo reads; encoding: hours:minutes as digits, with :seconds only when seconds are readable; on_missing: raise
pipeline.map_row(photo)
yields 9:36:04
